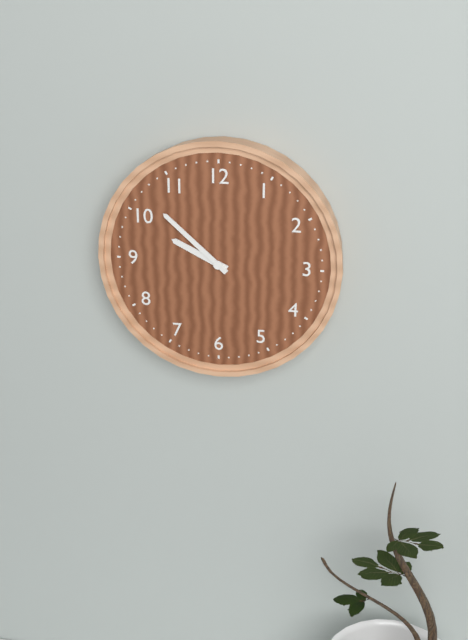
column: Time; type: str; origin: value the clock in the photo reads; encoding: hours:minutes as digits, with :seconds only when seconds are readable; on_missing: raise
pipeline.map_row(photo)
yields 9:52
